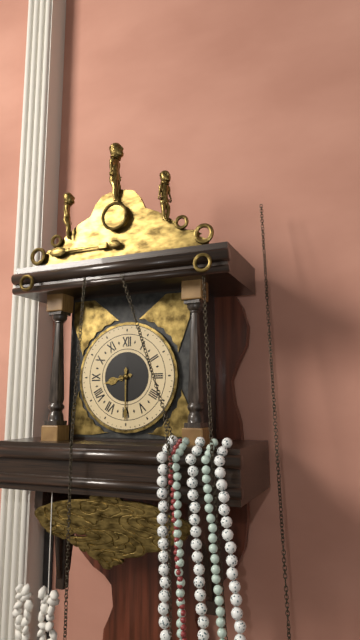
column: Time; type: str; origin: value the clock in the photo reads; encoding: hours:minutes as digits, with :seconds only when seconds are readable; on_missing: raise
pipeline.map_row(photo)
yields 8:30
